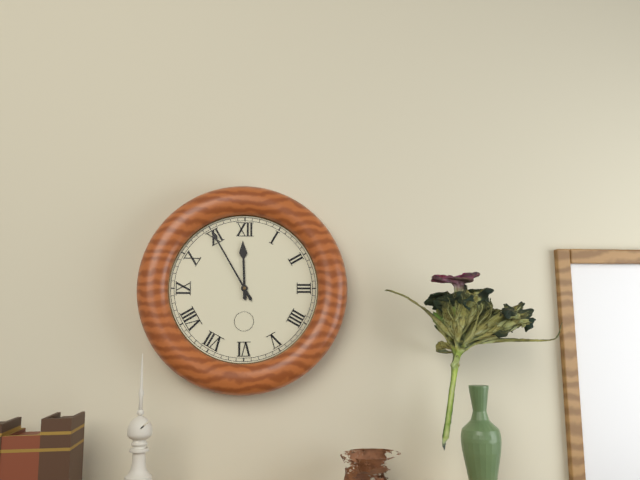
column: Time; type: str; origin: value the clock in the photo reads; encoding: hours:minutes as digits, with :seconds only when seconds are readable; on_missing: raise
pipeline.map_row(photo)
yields 11:55
